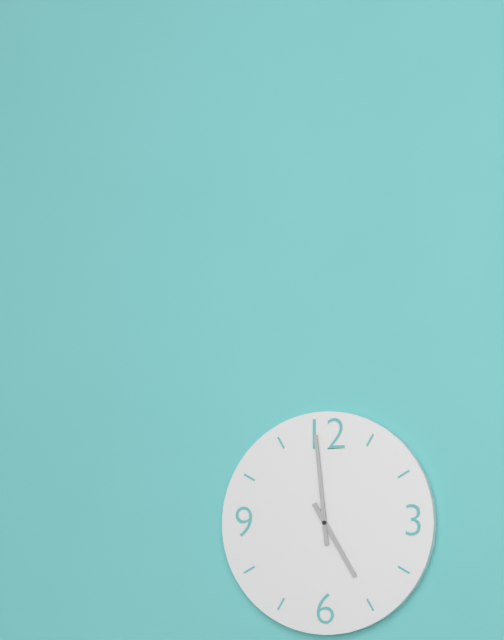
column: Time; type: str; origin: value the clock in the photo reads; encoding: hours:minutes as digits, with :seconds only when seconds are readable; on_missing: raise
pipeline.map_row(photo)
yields 4:59
